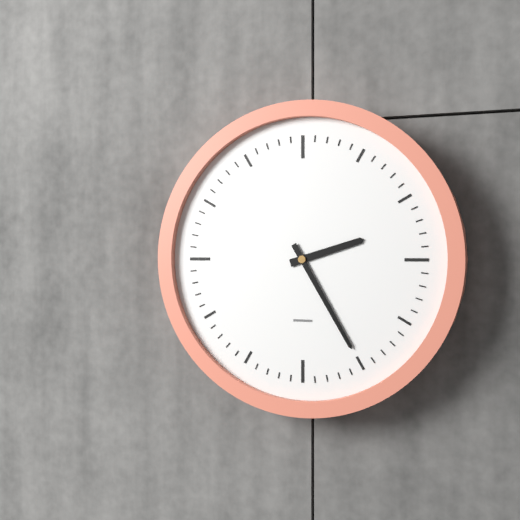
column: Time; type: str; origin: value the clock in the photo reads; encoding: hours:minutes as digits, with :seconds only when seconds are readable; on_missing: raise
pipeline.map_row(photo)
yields 2:25
